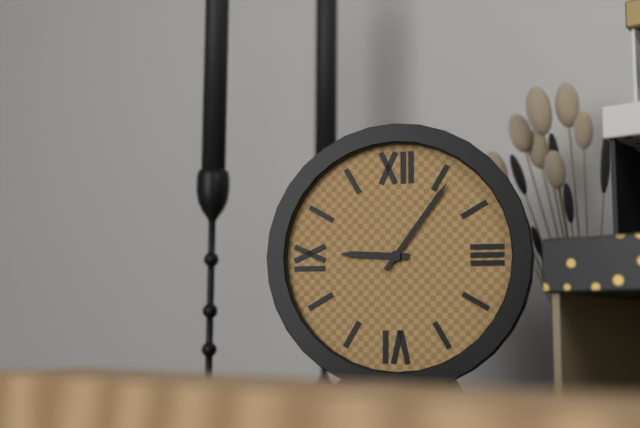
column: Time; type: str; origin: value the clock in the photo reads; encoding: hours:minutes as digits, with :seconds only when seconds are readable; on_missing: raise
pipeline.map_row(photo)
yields 9:06
